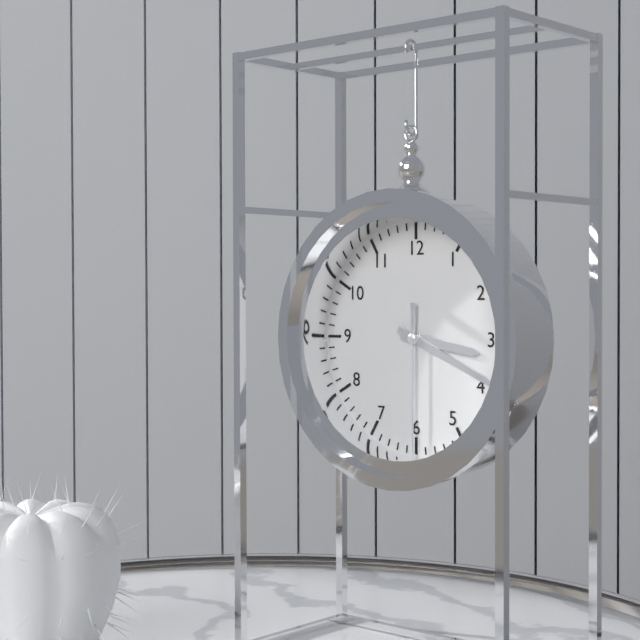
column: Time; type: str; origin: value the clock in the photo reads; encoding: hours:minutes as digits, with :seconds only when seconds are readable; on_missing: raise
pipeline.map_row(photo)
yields 3:19:30
